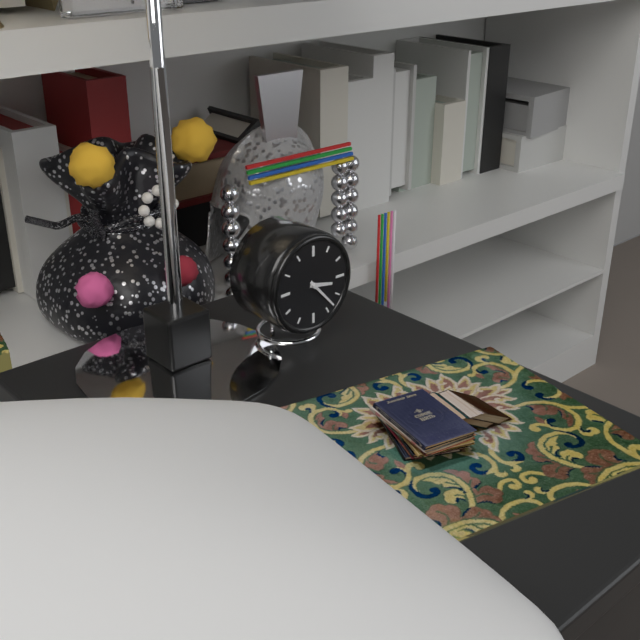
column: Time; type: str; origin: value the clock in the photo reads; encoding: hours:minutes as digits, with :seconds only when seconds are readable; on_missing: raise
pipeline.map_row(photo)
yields 3:23
